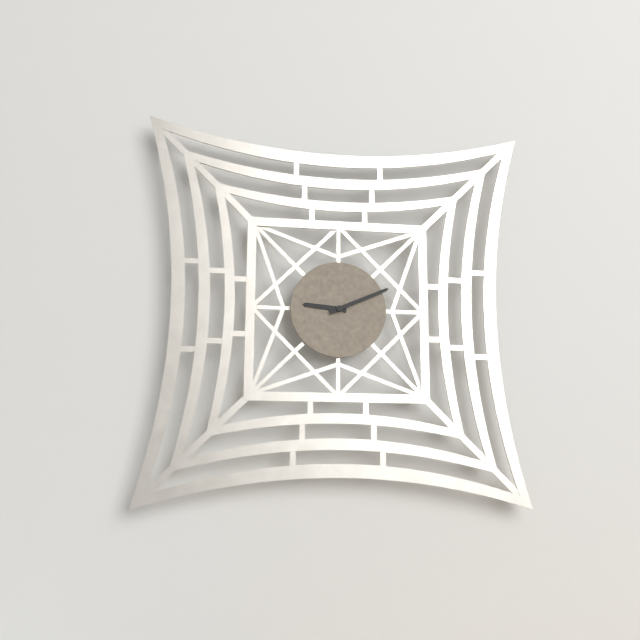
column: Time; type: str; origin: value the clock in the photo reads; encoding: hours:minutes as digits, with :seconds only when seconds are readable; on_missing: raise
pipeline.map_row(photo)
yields 9:11
